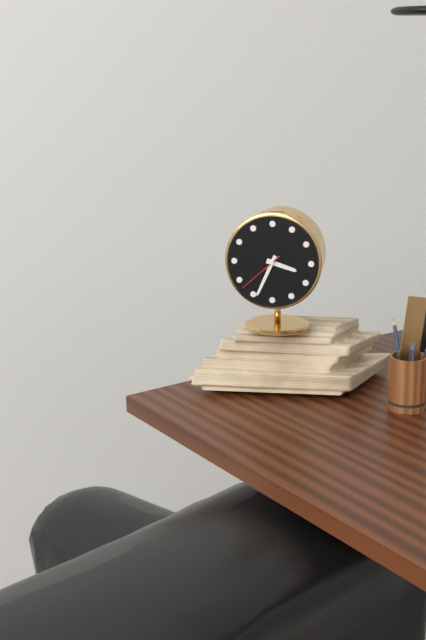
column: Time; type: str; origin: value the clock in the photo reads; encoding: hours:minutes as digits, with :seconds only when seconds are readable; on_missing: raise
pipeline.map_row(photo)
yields 3:34:38
